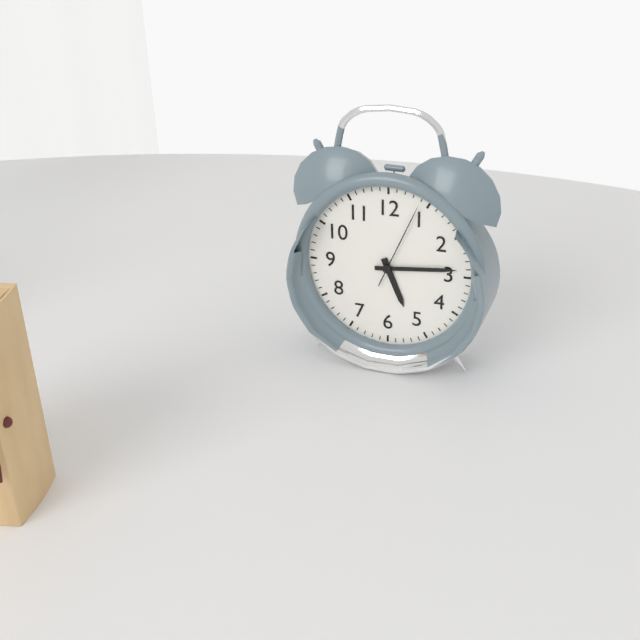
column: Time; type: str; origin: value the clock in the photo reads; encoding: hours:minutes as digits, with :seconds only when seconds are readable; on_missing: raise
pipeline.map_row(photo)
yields 5:14:04
